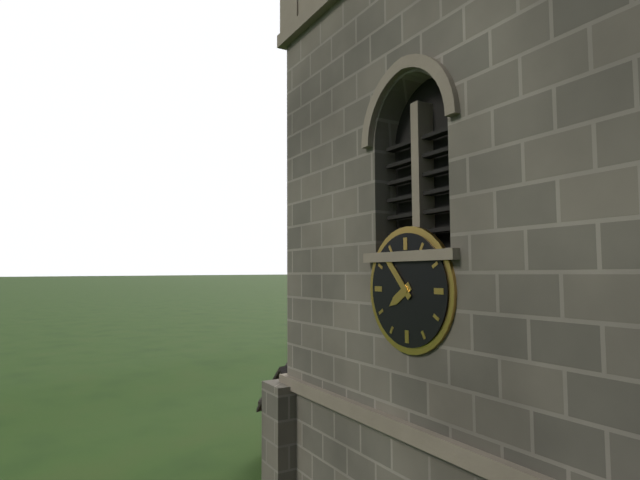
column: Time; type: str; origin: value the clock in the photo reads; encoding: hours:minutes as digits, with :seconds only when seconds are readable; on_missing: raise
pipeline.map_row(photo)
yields 7:53
